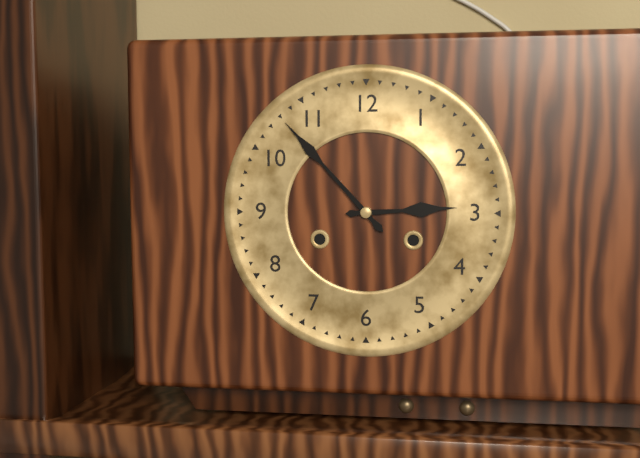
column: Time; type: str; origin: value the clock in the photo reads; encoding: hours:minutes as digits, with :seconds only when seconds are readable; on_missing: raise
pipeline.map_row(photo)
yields 2:53
